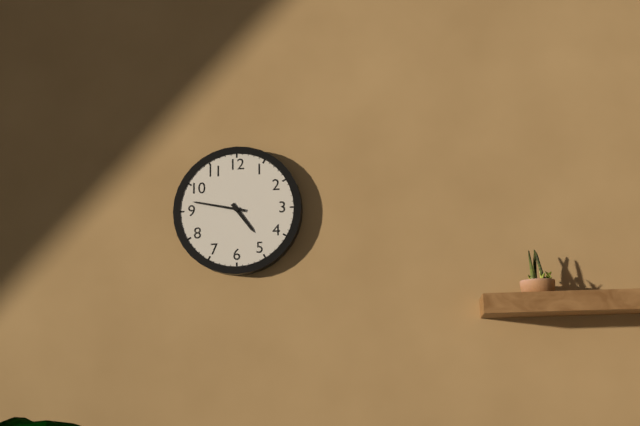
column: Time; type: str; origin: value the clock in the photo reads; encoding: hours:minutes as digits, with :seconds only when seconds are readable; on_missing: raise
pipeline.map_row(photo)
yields 4:47
